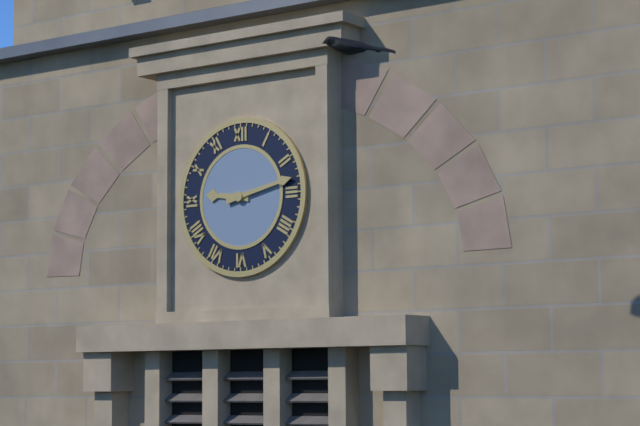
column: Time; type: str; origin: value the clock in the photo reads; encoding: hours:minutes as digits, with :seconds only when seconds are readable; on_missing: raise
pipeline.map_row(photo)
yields 9:13
